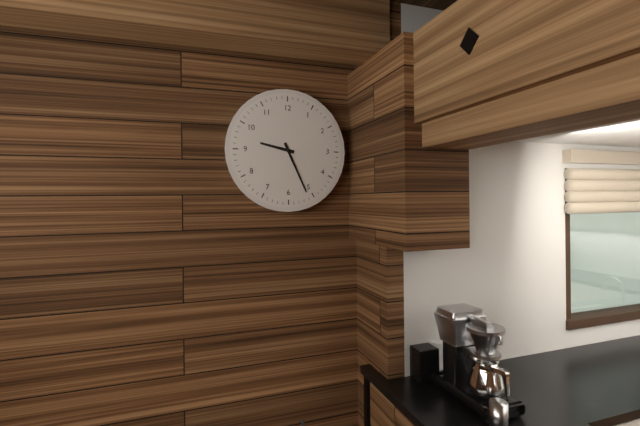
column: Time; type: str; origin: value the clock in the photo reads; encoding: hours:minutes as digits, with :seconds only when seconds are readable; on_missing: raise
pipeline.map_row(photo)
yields 9:26
